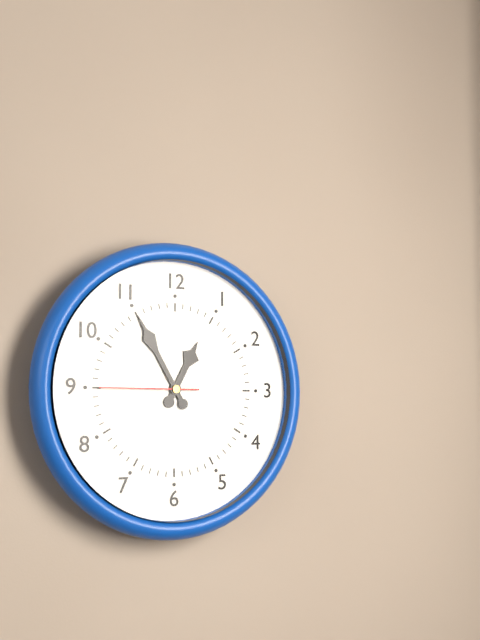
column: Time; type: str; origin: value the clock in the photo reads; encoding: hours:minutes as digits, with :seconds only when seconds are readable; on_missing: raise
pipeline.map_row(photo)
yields 12:55:45
